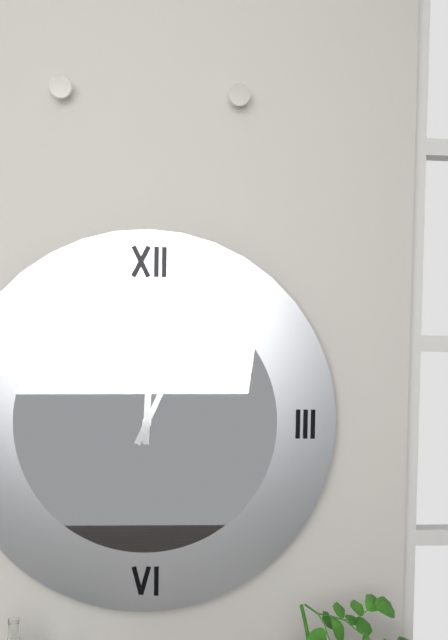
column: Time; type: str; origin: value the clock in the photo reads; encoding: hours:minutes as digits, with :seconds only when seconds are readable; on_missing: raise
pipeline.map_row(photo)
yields 12:04
